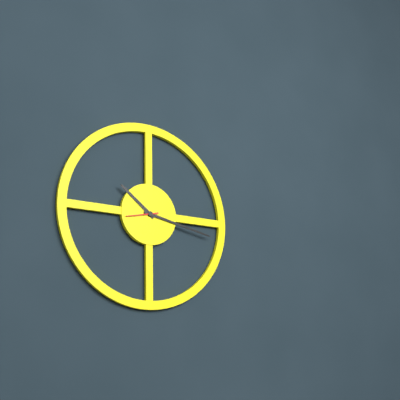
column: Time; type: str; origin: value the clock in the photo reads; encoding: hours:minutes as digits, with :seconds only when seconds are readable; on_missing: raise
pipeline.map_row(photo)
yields 10:17
